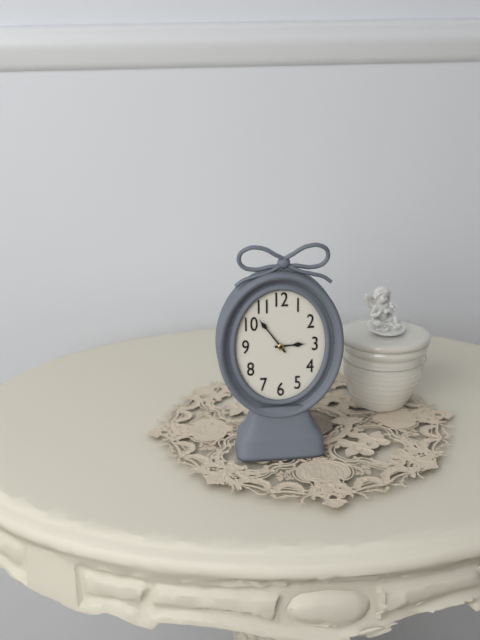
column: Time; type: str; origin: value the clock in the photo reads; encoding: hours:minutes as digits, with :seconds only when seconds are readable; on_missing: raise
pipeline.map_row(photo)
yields 2:54
